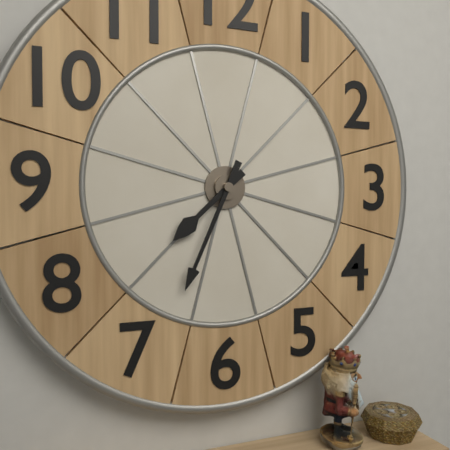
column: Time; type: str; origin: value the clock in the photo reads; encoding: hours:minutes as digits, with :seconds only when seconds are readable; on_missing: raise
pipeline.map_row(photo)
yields 7:34
